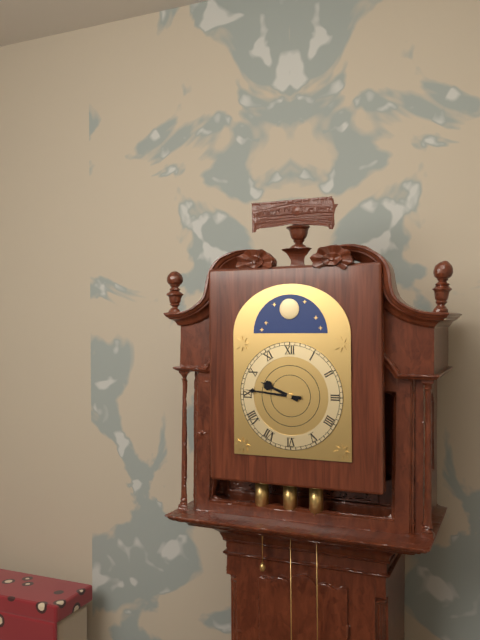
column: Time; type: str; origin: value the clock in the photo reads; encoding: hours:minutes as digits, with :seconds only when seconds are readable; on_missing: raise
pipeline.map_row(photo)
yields 9:46
